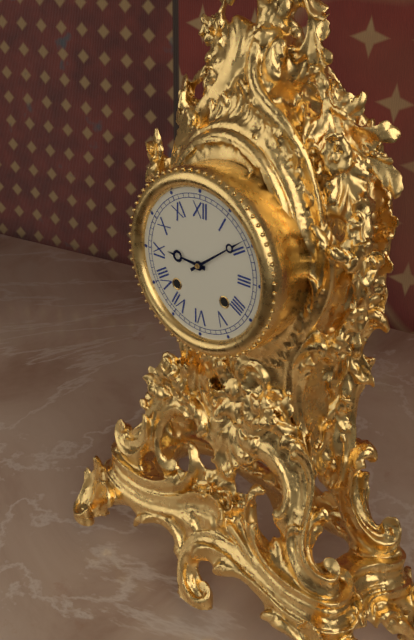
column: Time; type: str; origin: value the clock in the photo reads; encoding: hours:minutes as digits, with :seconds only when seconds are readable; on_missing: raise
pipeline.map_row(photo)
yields 9:09
